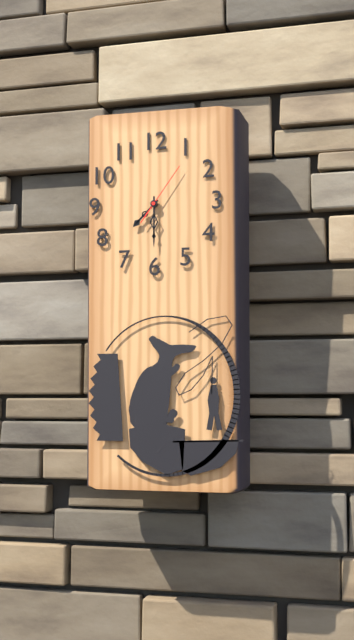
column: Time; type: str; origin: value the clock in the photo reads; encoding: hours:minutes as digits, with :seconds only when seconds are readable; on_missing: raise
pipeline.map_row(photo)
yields 7:30:06
